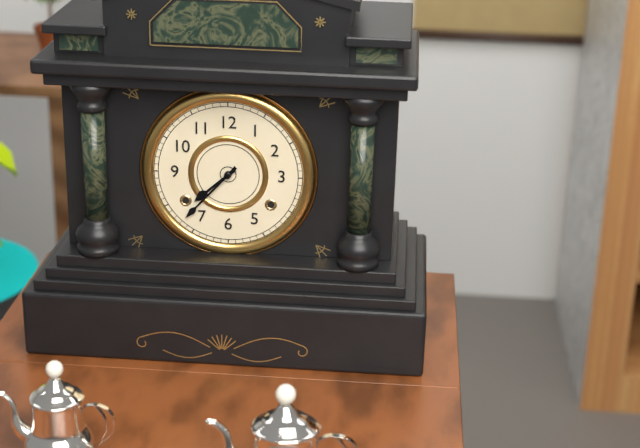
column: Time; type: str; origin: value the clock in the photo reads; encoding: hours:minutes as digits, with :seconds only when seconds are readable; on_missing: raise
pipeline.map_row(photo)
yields 7:37
